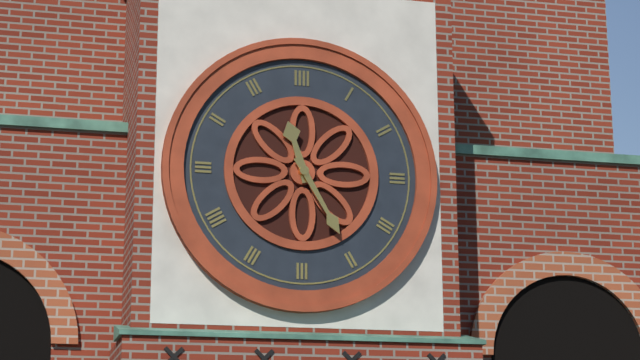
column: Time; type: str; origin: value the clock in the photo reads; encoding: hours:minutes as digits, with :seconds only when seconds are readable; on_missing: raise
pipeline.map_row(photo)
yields 11:25
